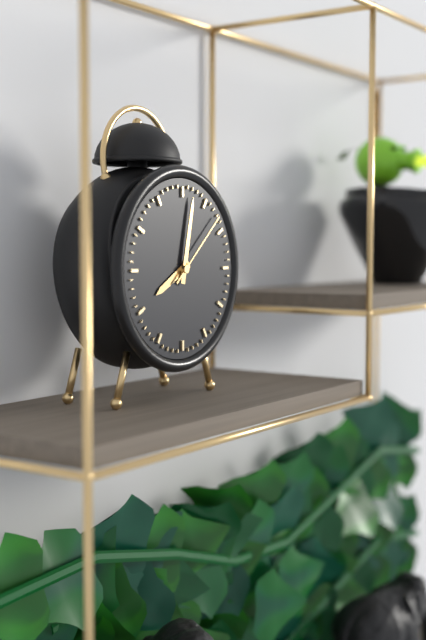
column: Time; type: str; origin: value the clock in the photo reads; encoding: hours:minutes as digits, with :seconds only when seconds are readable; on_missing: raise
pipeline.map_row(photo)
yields 8:02:08
